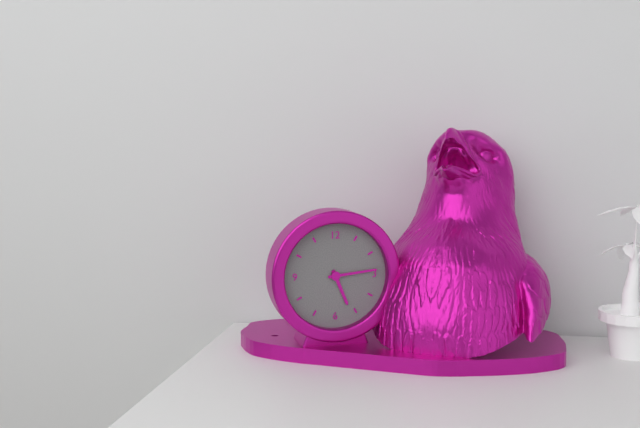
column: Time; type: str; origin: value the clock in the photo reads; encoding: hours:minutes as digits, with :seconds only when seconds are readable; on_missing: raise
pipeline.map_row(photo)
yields 5:14
